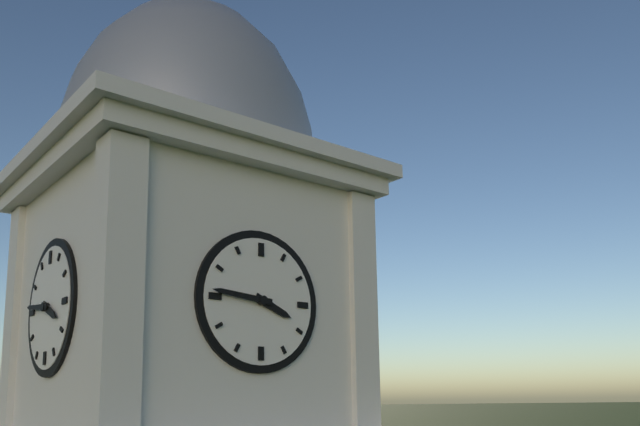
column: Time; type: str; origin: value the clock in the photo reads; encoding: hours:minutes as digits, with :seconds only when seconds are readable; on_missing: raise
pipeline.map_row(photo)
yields 3:46
